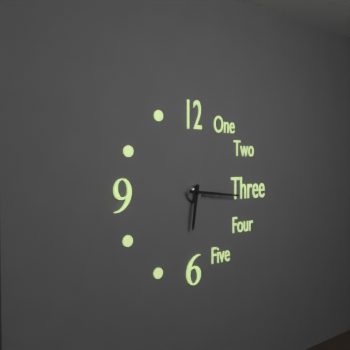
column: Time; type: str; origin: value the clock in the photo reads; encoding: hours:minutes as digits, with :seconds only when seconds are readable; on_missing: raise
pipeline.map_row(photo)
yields 6:16
